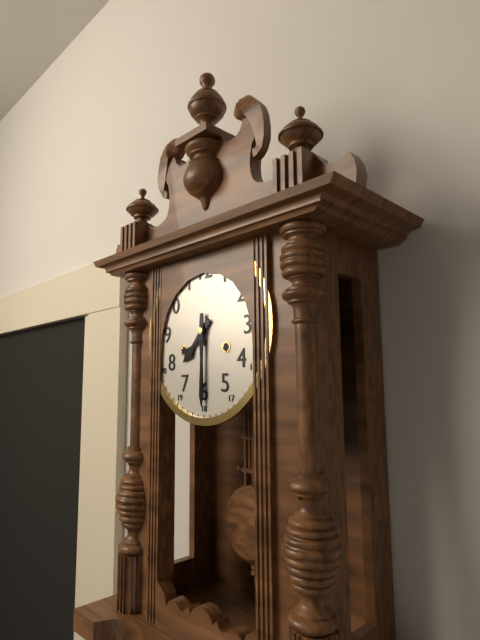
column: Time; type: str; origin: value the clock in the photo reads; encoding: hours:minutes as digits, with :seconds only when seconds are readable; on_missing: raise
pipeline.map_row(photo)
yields 7:30
